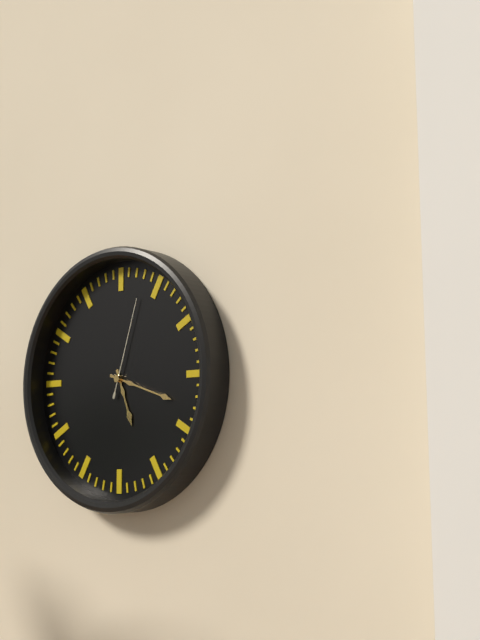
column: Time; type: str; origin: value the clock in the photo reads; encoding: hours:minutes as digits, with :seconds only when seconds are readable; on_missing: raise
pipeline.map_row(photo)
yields 5:18:03
